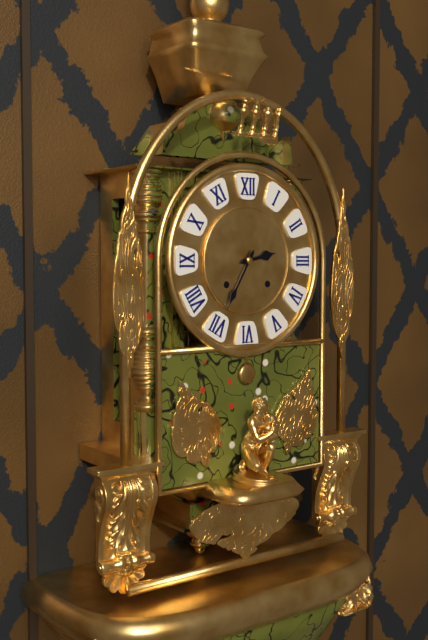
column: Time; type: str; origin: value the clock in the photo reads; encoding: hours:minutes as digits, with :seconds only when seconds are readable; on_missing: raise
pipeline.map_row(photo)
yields 2:35
